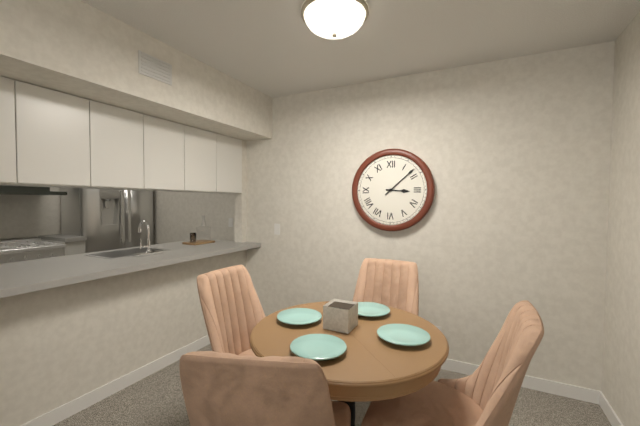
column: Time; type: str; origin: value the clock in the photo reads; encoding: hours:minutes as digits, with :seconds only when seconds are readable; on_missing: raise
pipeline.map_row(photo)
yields 3:08
